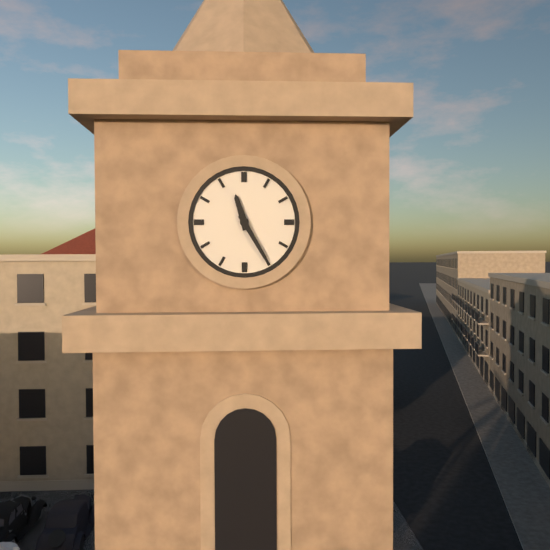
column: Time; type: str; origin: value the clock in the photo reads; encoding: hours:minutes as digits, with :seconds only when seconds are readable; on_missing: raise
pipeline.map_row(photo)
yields 11:25
